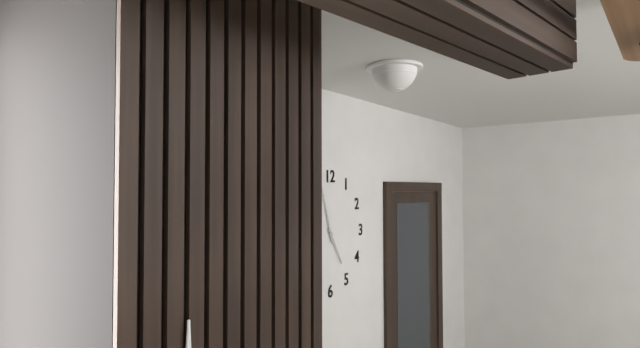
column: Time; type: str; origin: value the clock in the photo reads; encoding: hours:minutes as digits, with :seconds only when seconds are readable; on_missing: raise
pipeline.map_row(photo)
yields 4:57
